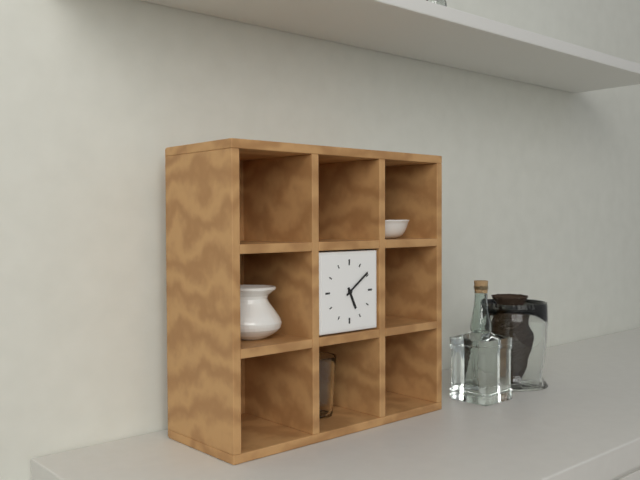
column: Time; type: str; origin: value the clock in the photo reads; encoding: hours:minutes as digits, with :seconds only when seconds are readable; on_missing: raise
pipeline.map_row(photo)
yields 5:09
